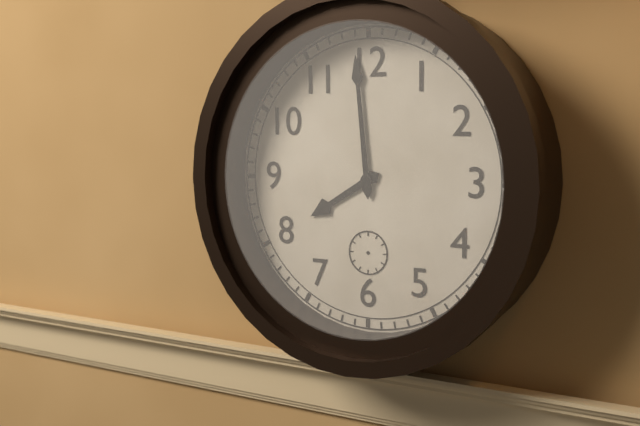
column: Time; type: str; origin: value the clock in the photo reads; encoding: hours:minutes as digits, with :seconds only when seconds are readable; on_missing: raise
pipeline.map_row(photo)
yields 7:59
